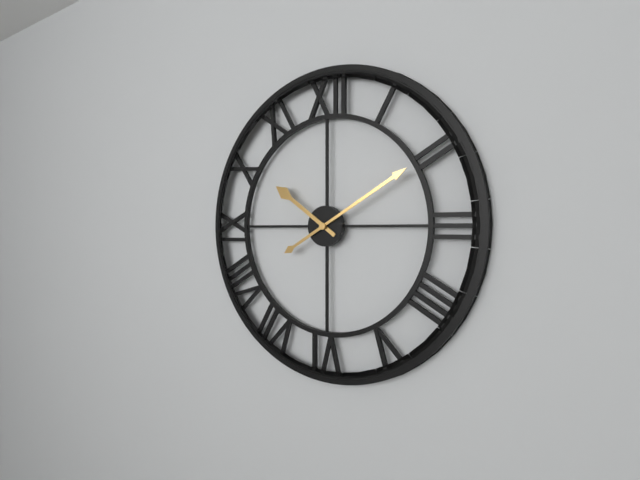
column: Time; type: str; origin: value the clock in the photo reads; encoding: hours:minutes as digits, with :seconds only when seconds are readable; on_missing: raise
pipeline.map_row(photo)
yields 10:10
